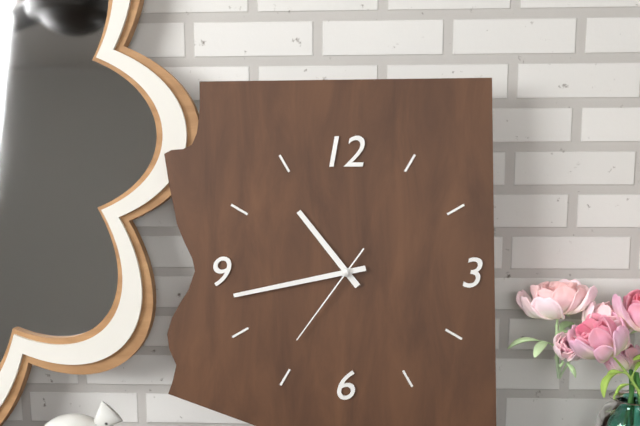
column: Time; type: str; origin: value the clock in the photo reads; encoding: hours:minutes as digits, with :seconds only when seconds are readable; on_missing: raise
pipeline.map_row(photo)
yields 10:43:36
